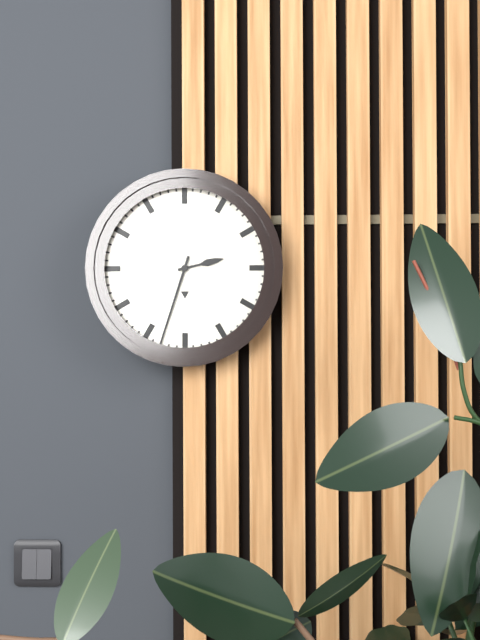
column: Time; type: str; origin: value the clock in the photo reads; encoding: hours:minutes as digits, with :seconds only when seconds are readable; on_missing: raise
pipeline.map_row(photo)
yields 2:33
